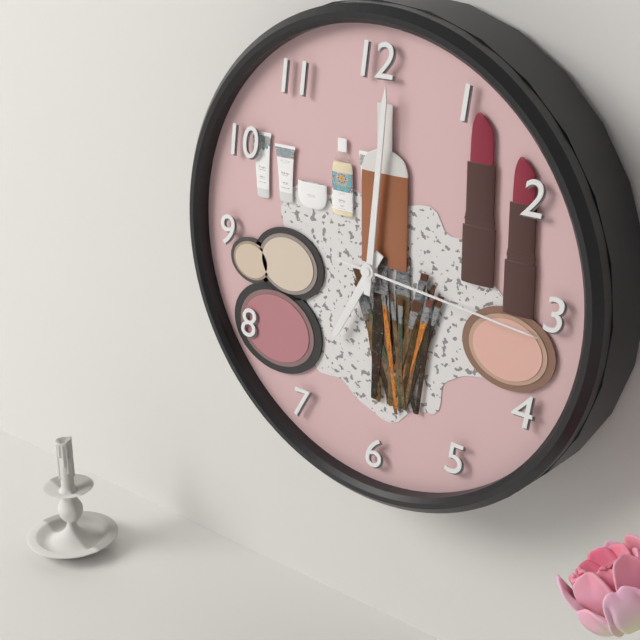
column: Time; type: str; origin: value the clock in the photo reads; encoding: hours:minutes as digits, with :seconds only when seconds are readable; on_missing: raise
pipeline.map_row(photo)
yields 7:01:16
